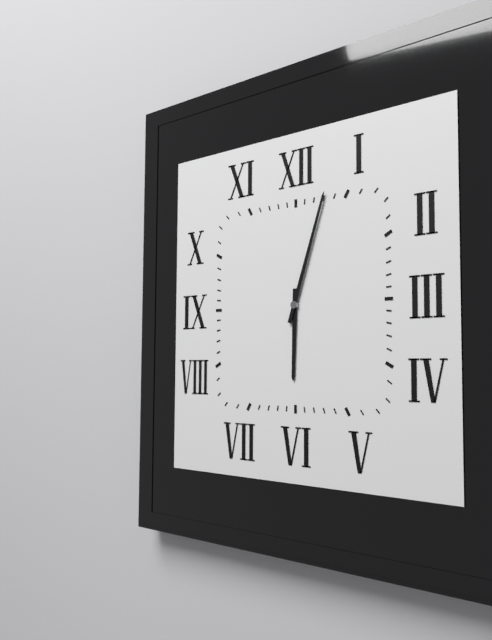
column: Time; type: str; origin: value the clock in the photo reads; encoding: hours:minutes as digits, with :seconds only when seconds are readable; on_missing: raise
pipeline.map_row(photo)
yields 6:03
